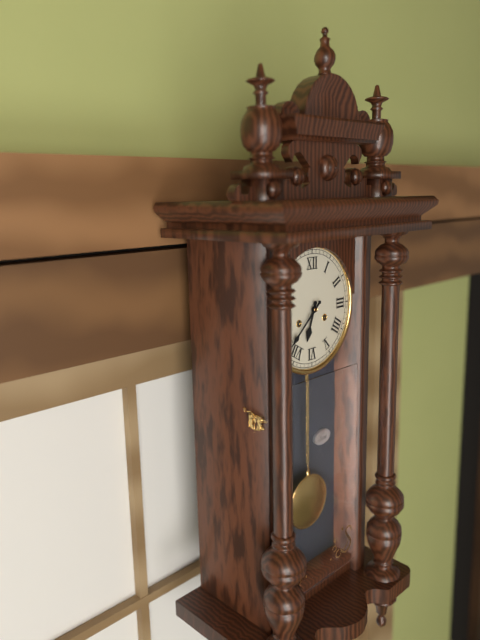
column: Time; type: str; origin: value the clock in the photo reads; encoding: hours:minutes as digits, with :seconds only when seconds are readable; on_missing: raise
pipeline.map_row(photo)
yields 6:38
